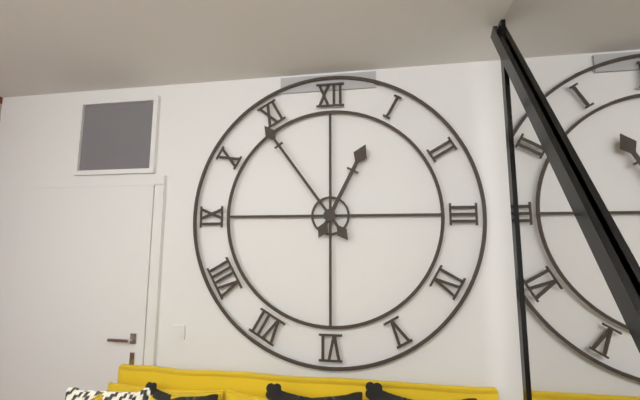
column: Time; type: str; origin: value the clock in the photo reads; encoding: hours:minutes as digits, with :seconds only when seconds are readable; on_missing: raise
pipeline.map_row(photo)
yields 12:54
